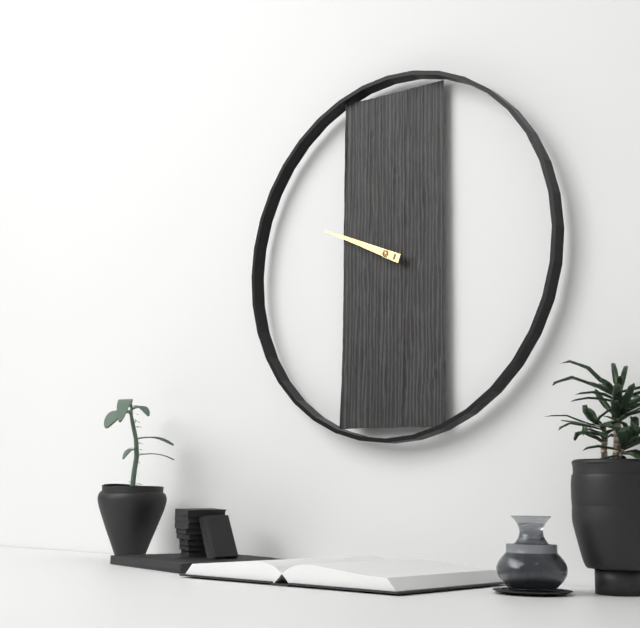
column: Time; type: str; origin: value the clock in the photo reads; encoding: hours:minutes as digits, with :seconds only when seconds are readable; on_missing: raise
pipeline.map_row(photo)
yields 9:49
